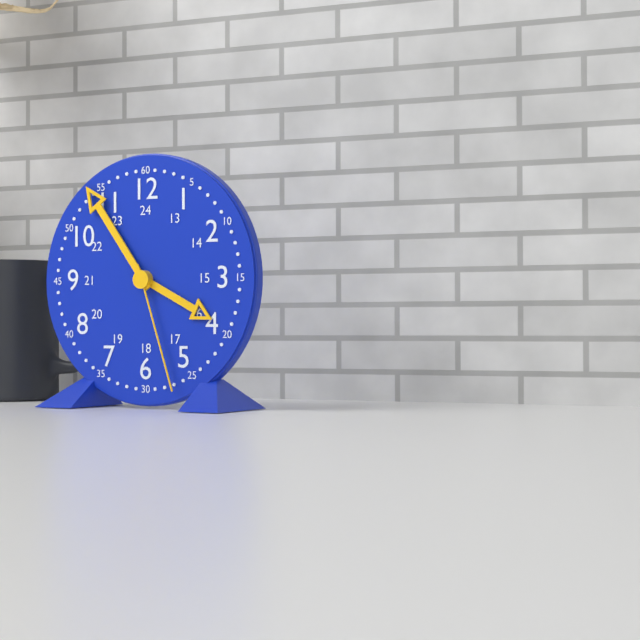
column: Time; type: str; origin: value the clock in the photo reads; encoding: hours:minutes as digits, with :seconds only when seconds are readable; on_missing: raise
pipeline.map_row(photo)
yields 3:54:27
